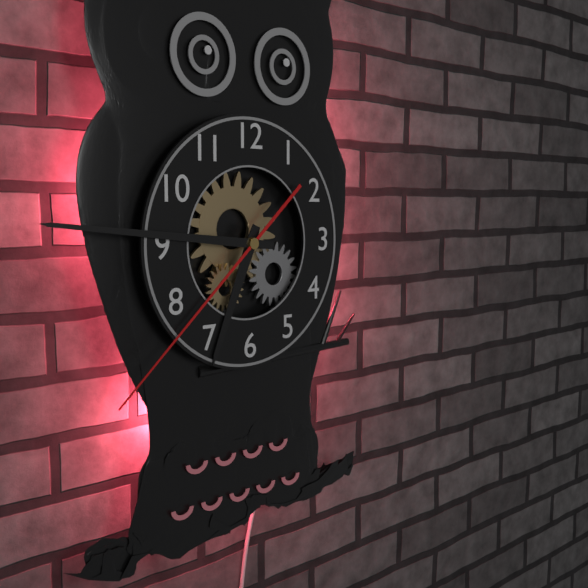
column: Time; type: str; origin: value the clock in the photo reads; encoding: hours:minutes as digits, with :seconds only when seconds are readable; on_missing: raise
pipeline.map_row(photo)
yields 6:46:38
